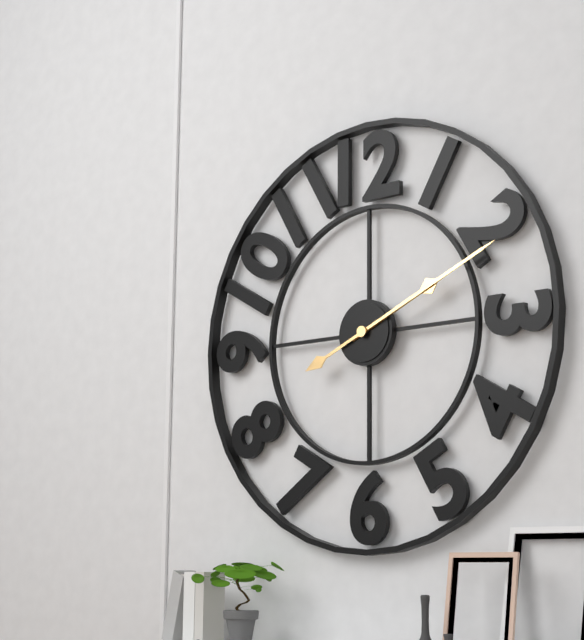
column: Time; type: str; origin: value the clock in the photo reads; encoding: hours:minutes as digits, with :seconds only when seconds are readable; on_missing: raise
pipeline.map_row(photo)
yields 2:11
